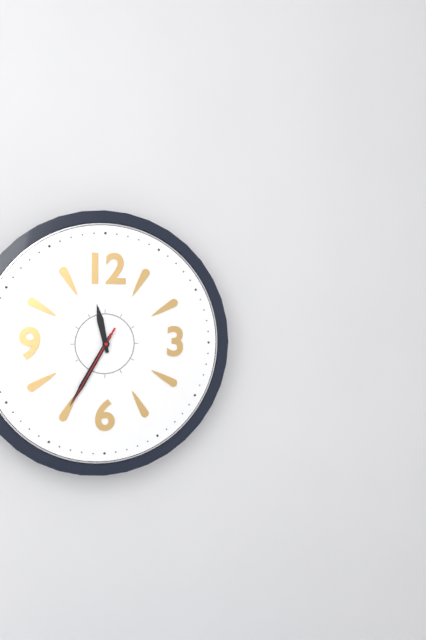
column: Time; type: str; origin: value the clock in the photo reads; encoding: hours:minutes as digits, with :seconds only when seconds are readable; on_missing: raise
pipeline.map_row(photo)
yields 11:35:35
